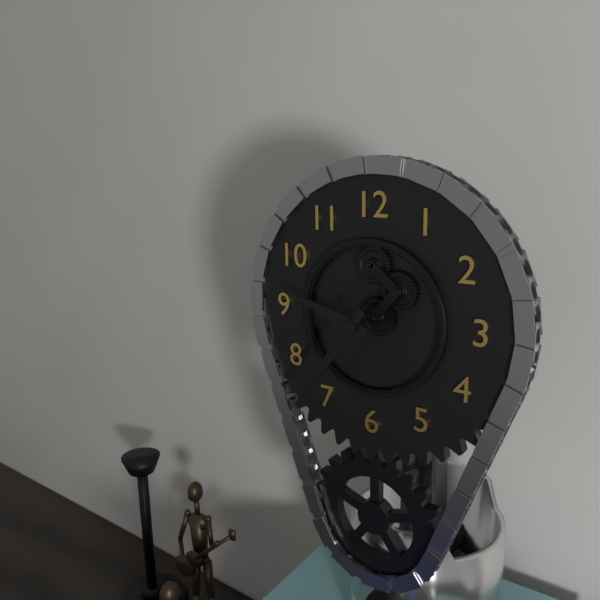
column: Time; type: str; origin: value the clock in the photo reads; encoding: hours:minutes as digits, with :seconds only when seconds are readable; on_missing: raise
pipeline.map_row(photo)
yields 9:36
